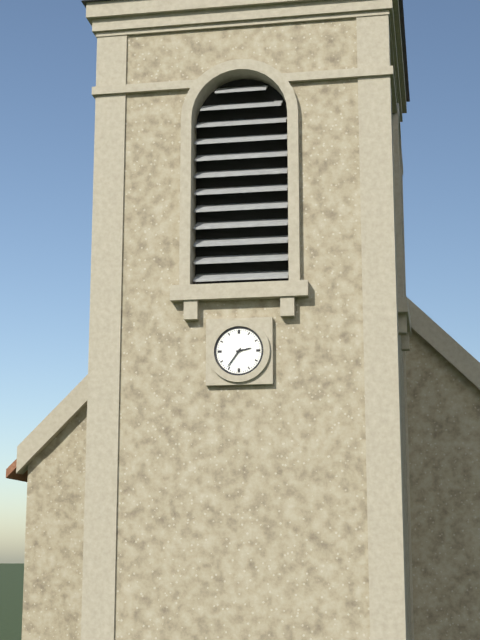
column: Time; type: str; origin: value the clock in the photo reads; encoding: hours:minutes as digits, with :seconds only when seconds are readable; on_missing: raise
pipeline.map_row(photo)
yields 2:36
